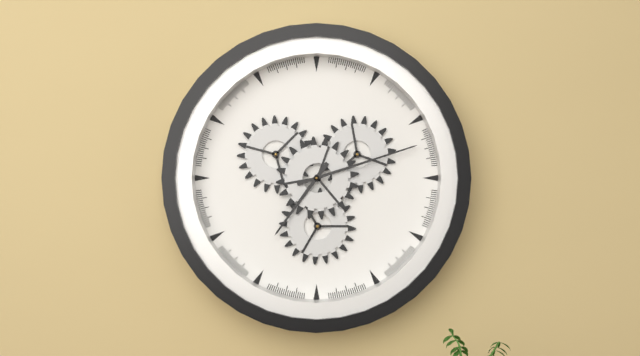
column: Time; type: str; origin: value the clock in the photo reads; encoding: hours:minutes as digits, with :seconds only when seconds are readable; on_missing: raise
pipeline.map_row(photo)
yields 7:12
